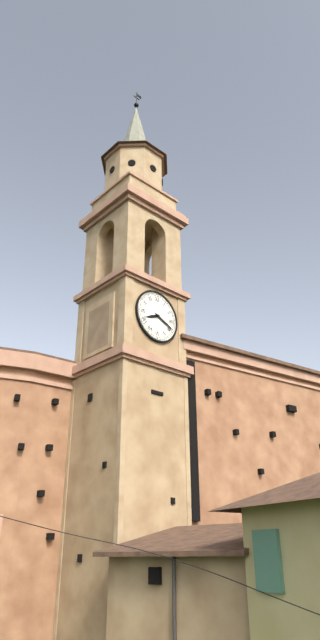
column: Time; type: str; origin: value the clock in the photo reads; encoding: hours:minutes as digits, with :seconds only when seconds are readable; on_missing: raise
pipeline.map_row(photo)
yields 8:19
